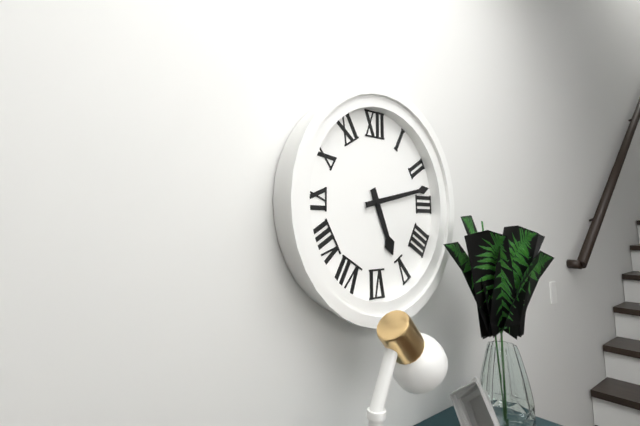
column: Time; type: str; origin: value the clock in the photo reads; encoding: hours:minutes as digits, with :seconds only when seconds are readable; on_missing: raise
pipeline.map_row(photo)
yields 5:13
